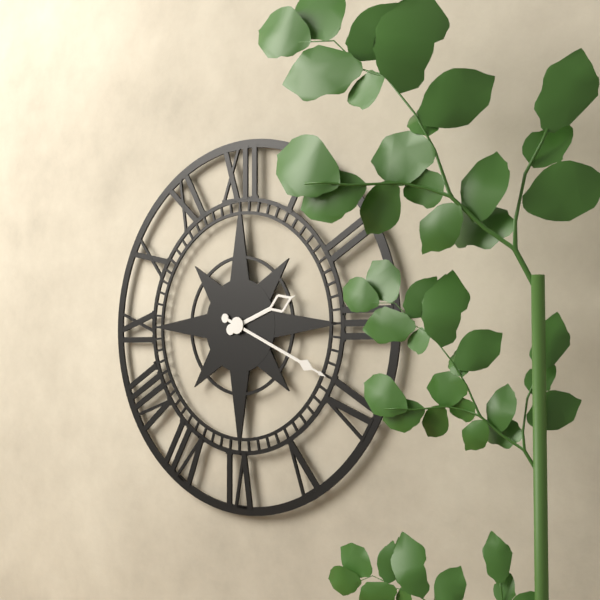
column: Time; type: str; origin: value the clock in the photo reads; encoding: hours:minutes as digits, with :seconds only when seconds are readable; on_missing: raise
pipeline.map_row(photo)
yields 2:19
